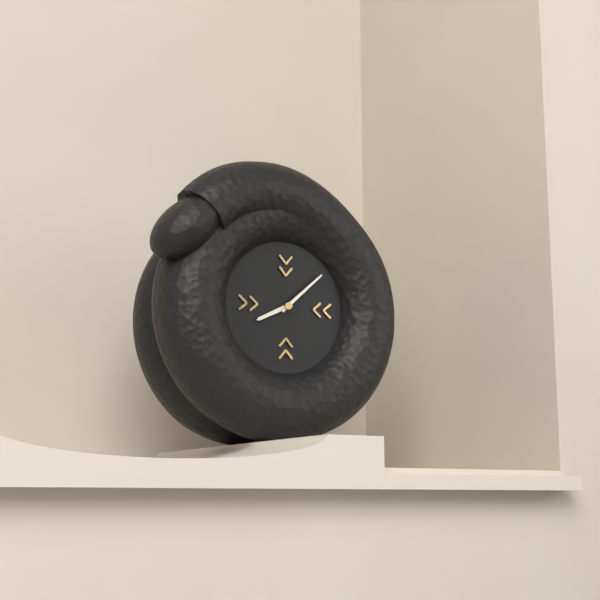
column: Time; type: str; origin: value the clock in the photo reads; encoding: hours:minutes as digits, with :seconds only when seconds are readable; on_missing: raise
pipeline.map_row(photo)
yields 8:08
